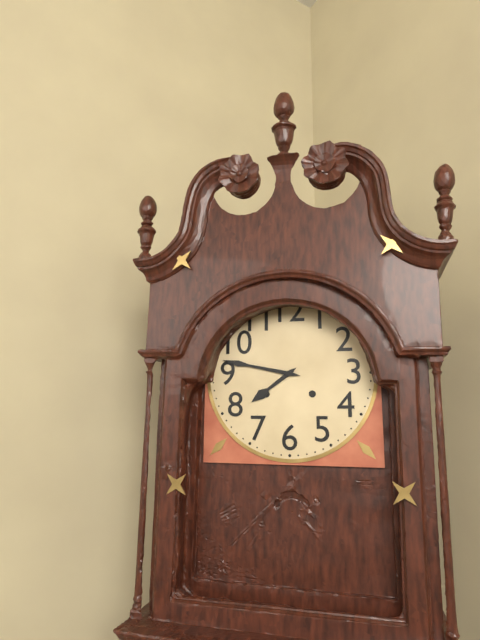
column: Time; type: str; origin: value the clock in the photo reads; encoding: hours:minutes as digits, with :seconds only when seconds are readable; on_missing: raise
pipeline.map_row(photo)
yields 7:47
